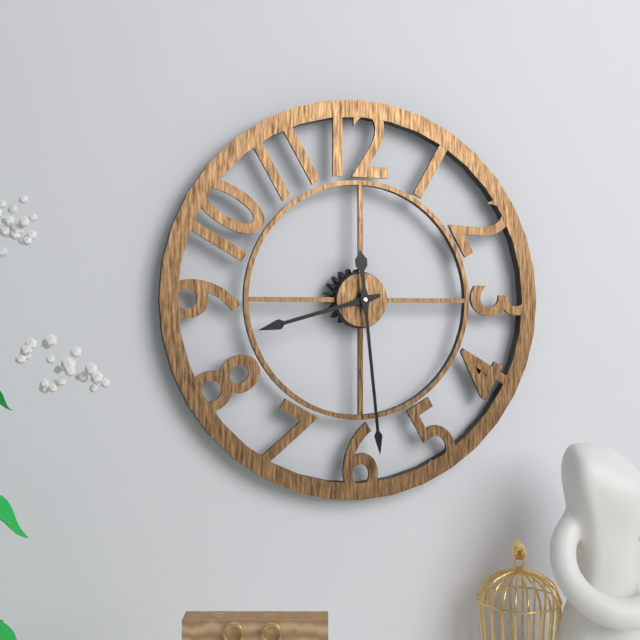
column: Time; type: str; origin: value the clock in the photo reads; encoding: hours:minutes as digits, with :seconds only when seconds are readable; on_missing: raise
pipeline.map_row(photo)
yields 8:29
